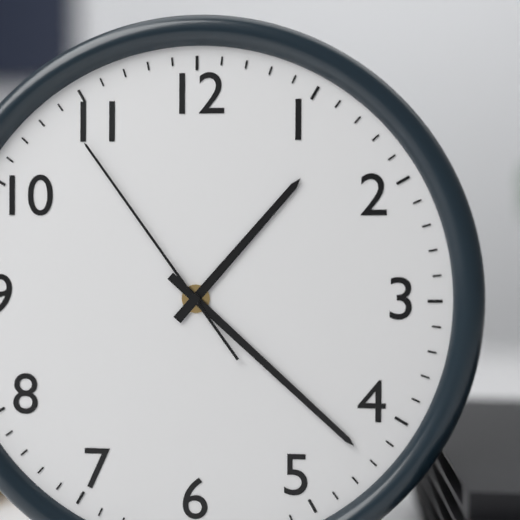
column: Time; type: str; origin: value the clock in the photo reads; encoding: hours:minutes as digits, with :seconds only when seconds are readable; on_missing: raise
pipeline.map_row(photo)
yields 1:22:54
